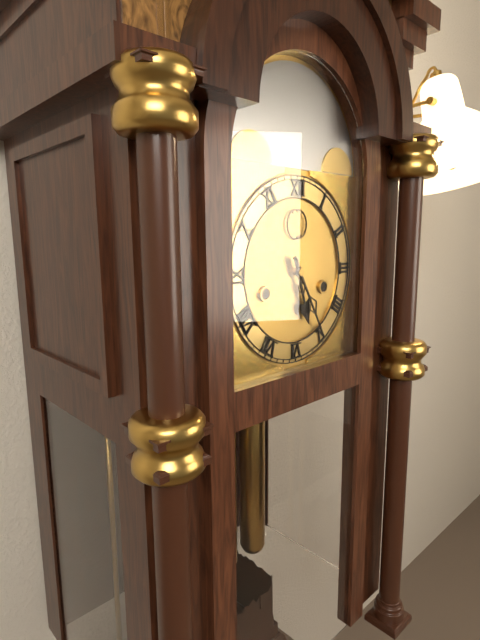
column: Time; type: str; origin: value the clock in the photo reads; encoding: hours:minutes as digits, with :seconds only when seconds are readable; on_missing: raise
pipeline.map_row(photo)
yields 5:25
